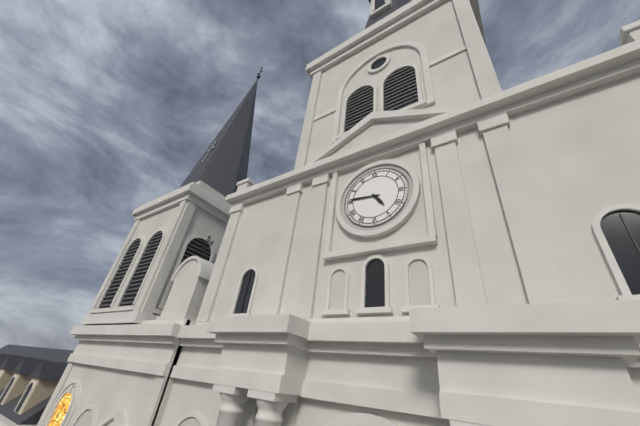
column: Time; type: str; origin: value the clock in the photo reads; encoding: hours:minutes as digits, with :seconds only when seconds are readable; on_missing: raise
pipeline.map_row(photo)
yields 4:46
